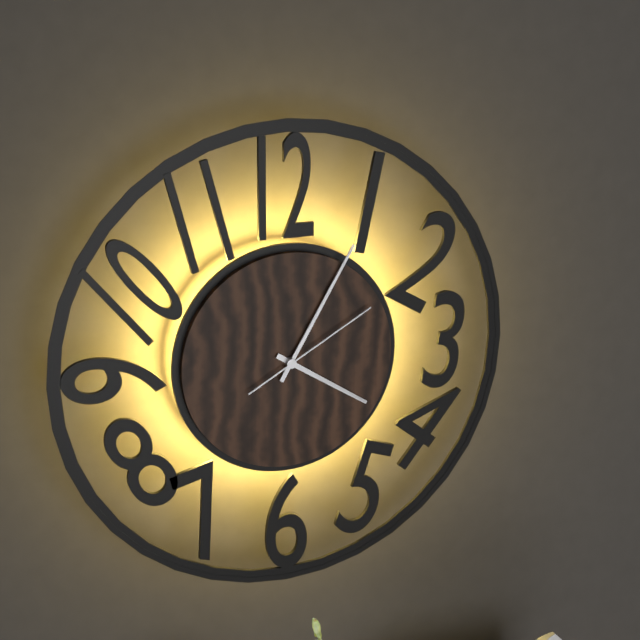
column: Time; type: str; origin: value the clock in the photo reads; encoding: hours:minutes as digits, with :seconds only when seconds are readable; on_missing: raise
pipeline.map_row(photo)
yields 4:05:10
